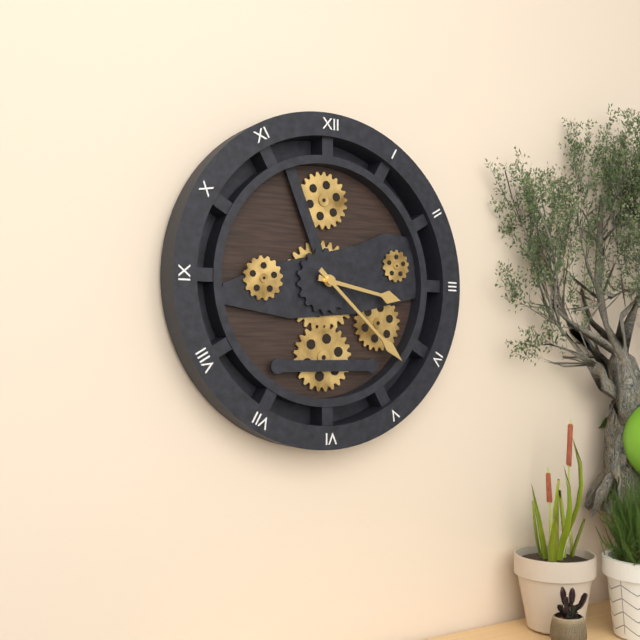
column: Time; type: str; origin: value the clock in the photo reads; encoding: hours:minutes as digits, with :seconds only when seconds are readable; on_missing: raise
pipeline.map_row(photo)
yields 3:22
